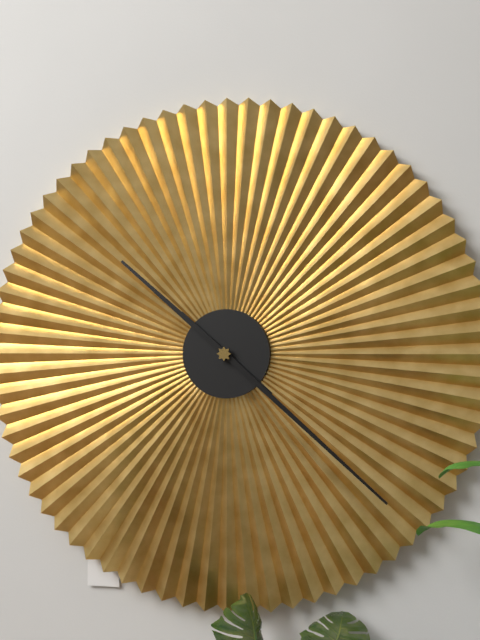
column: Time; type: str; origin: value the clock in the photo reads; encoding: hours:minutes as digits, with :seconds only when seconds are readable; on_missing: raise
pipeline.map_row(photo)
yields 10:22
